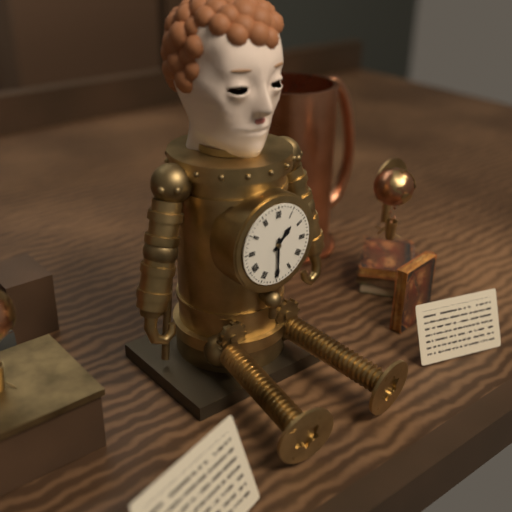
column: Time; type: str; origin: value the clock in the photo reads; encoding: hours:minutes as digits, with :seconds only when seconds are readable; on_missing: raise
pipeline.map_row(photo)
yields 1:30
